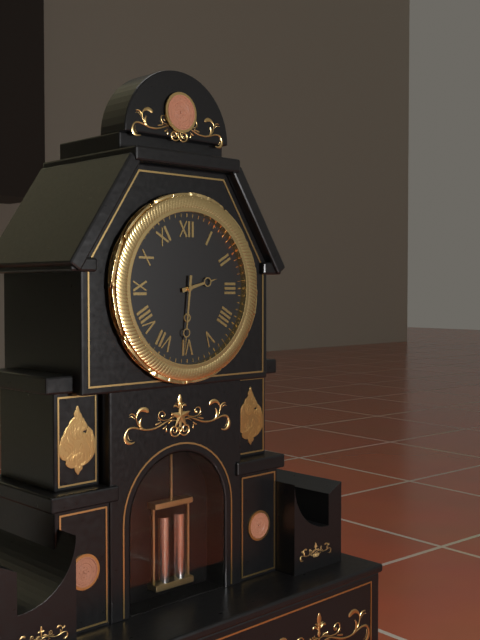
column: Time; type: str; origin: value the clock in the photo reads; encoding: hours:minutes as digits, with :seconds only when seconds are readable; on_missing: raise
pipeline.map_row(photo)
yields 2:31
